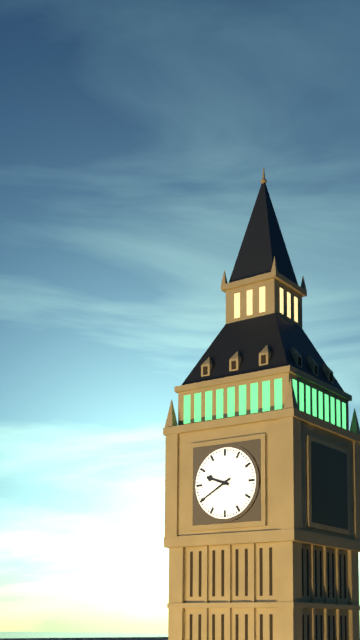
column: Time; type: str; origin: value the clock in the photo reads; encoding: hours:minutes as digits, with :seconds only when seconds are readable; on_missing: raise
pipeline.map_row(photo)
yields 9:40
